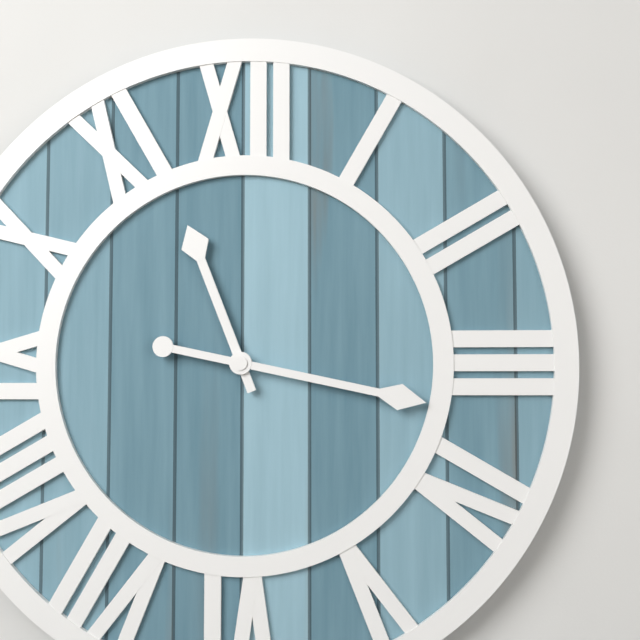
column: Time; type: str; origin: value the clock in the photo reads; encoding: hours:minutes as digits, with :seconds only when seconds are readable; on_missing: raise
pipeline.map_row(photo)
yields 11:17
